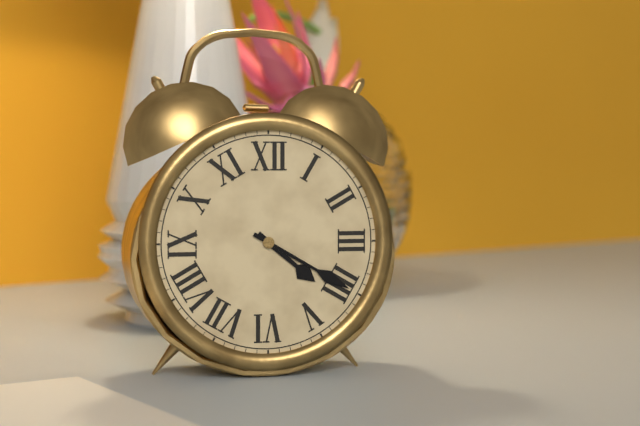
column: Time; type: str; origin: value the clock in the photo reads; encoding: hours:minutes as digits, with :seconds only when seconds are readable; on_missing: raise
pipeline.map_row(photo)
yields 4:20
